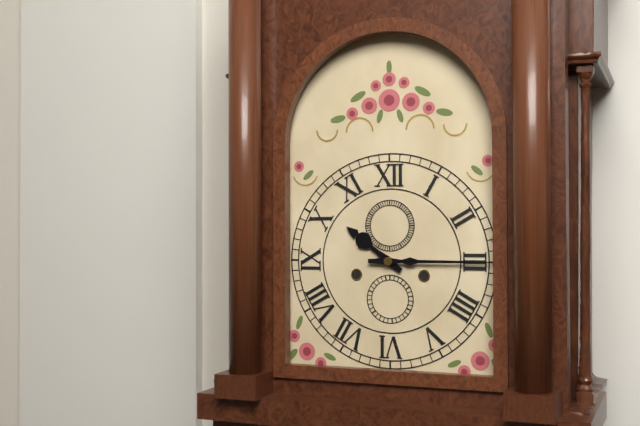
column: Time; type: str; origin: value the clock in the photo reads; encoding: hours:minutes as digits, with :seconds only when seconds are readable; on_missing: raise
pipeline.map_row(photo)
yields 10:15
